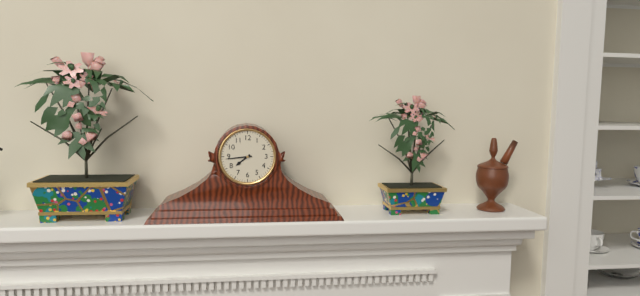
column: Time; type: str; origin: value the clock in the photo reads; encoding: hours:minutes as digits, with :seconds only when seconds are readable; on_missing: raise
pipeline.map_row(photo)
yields 7:44
